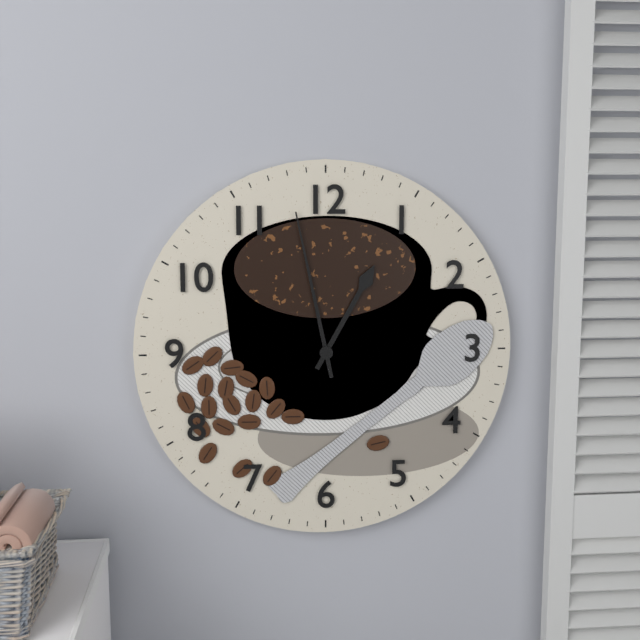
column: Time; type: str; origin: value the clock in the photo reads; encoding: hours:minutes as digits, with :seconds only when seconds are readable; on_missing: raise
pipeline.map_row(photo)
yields 12:58
